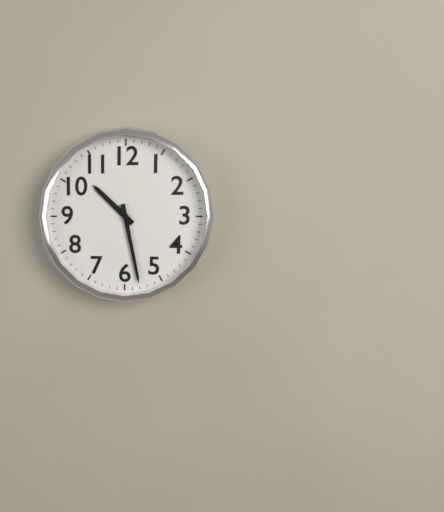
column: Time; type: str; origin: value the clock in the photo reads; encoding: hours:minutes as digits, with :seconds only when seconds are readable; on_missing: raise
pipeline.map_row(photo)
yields 10:28
